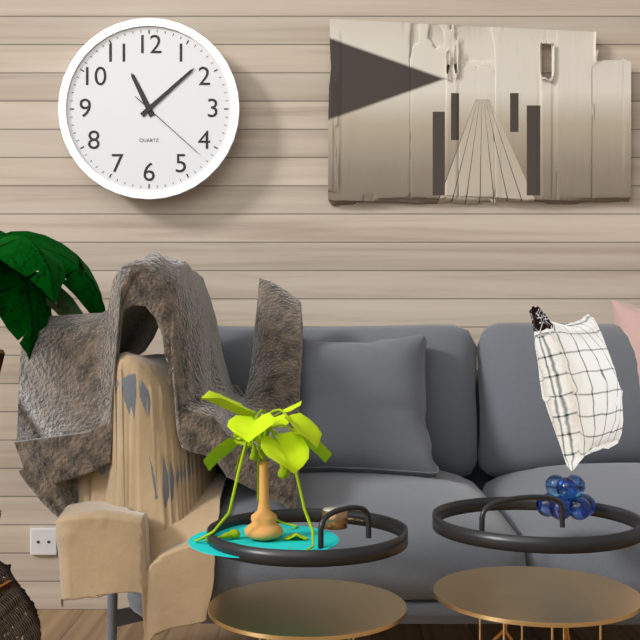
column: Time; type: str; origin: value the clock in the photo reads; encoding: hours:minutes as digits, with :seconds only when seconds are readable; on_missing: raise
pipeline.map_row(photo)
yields 11:08:22
